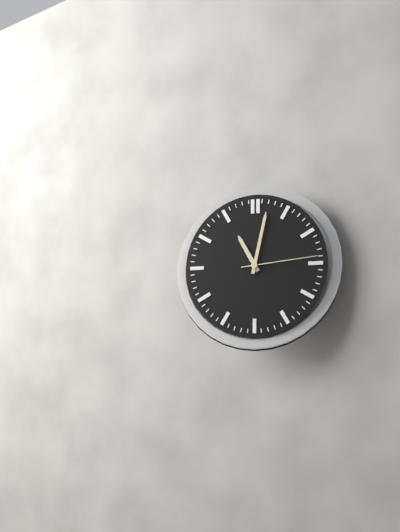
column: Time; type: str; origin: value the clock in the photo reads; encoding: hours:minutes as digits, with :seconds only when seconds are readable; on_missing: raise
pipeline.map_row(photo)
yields 11:02:14
